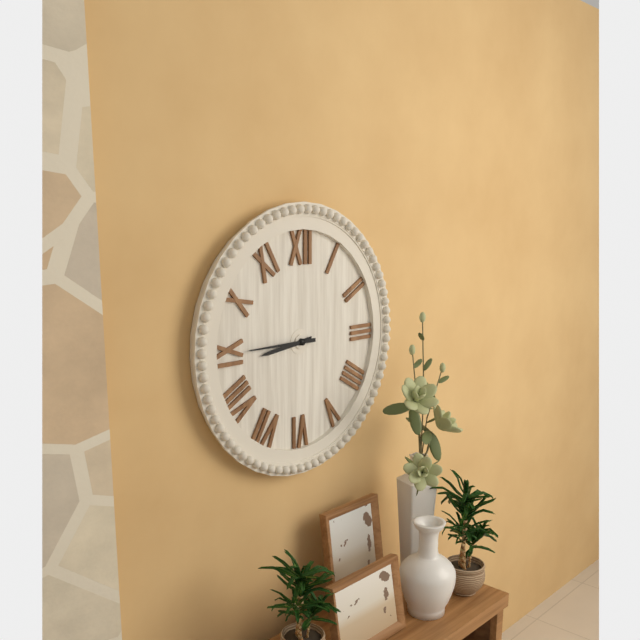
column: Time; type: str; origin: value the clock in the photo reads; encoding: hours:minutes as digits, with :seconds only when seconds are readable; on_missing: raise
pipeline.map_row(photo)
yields 8:45
